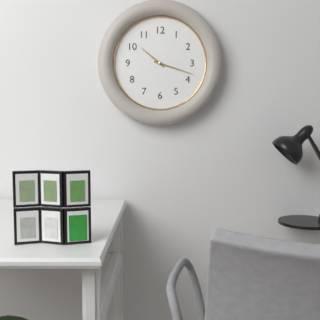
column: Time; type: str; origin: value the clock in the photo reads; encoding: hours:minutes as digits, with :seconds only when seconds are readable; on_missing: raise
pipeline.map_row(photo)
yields 10:18
